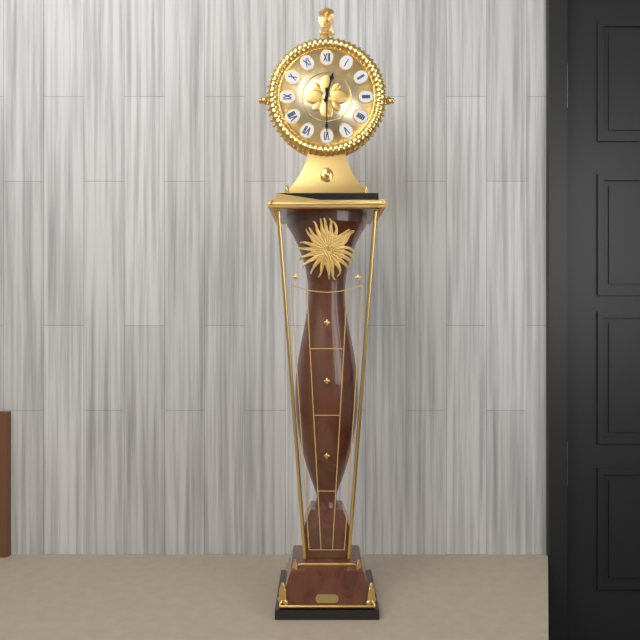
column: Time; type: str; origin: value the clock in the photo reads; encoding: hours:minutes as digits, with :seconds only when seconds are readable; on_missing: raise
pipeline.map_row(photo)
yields 12:30
